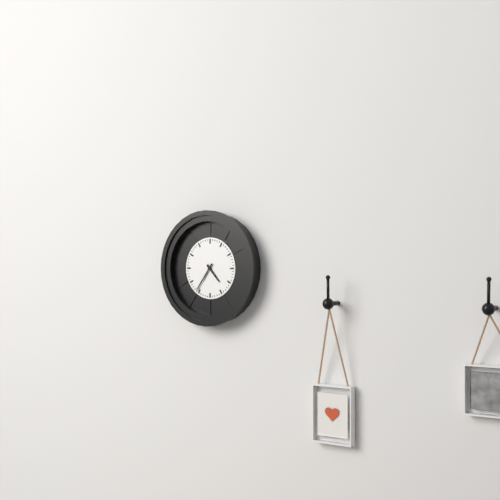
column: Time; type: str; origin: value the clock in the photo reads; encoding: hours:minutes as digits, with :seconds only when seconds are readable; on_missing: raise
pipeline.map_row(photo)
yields 4:36
